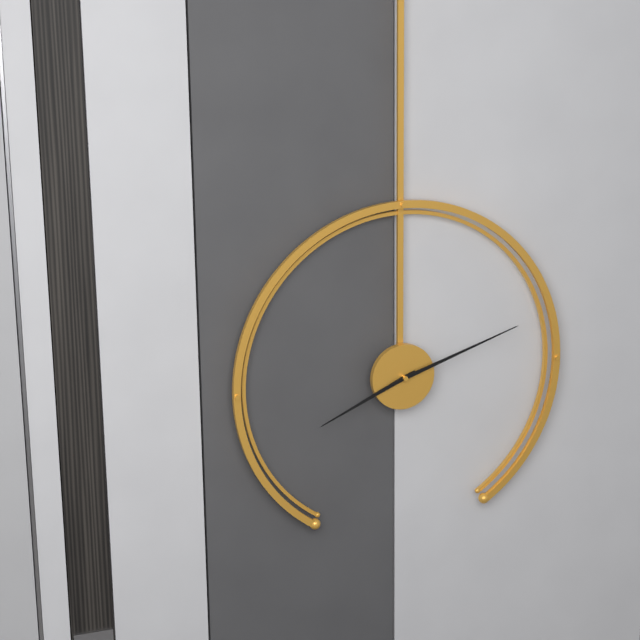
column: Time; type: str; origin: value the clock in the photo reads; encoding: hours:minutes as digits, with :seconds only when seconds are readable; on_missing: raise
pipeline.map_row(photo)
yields 8:12
